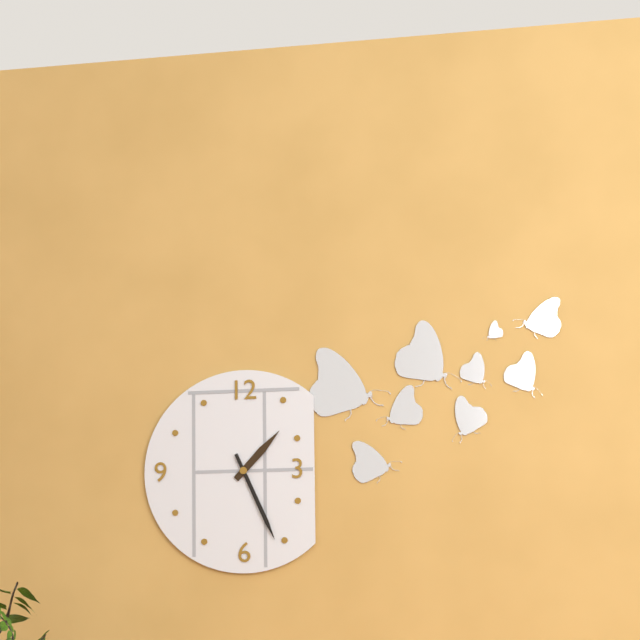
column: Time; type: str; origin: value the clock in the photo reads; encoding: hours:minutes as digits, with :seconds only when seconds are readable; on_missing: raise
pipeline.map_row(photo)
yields 1:26
